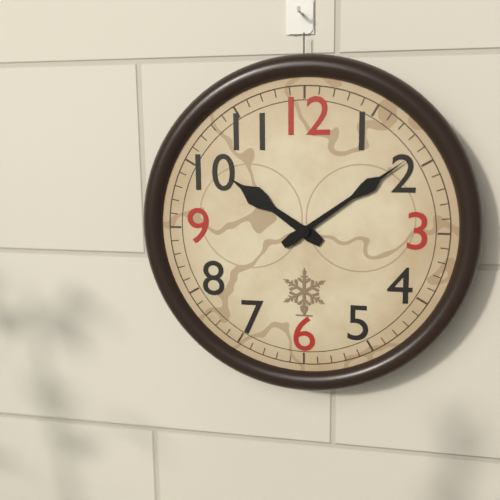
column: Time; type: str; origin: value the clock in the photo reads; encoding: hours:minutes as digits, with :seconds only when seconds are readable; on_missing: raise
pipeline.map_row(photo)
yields 10:09
